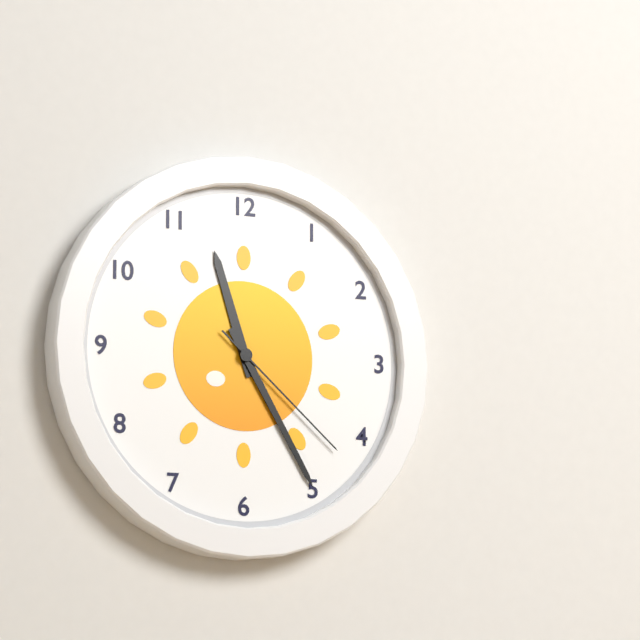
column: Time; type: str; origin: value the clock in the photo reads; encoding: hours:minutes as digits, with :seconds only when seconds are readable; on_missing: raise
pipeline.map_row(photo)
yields 11:25:22
